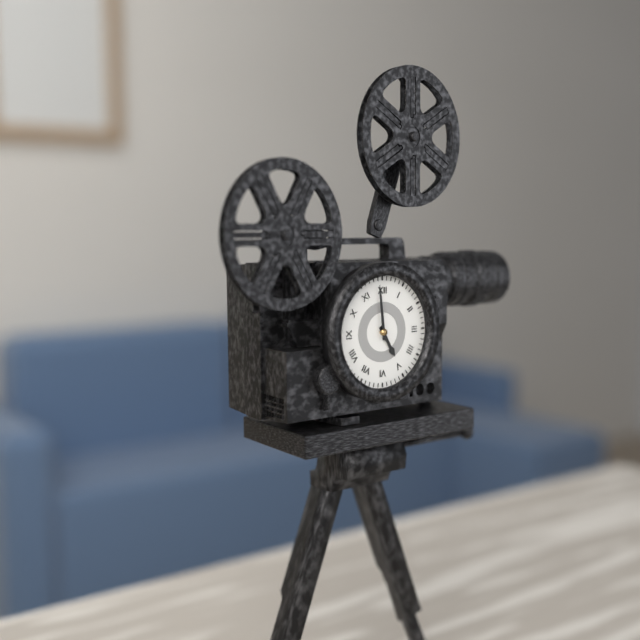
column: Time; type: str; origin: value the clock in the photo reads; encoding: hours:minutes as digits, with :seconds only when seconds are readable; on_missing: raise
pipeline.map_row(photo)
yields 4:59
